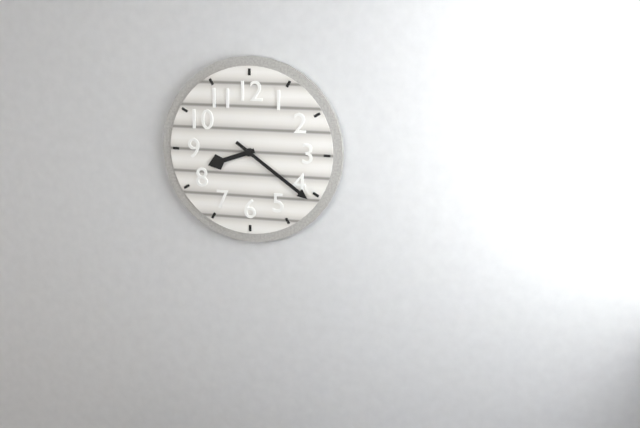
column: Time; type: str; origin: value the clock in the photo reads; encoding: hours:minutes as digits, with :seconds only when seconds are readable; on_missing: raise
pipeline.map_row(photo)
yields 8:21
